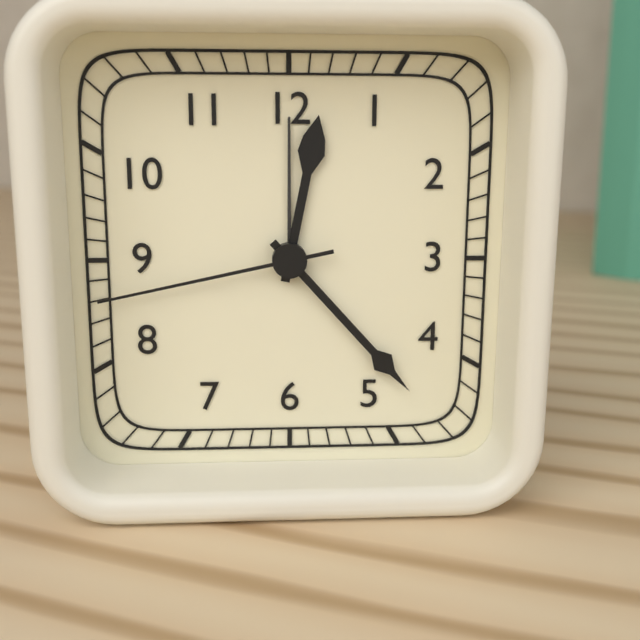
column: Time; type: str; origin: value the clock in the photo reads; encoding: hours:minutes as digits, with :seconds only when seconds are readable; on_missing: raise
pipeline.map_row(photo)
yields 12:23:43
